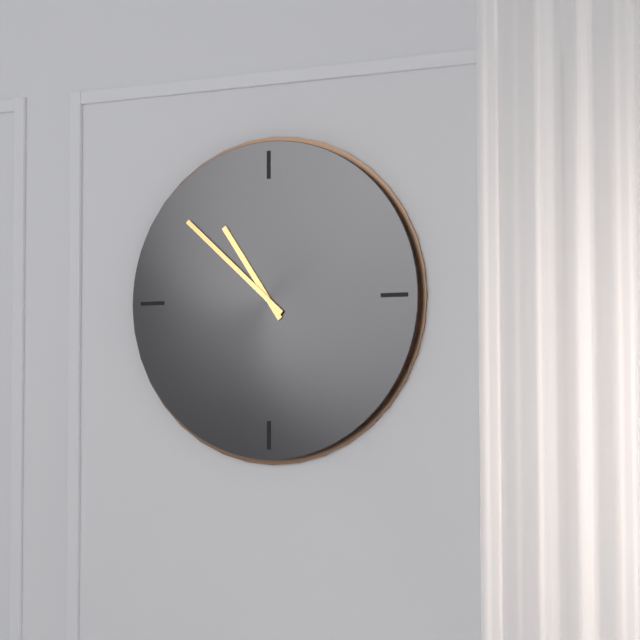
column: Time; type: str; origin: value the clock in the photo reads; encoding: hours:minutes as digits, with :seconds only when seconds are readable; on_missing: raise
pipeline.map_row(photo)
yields 10:52
